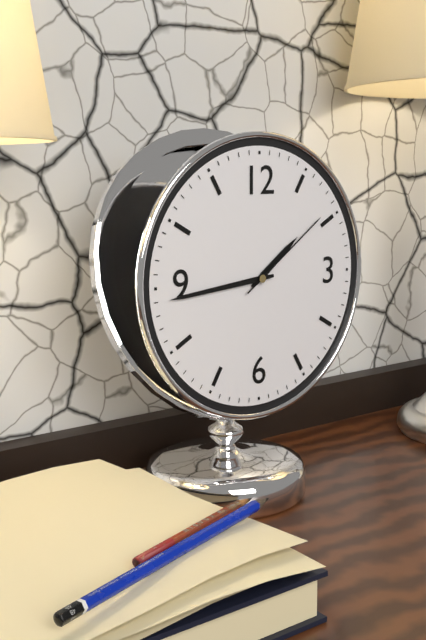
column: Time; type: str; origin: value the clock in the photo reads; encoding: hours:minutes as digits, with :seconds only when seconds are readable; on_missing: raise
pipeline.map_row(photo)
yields 1:44:09
